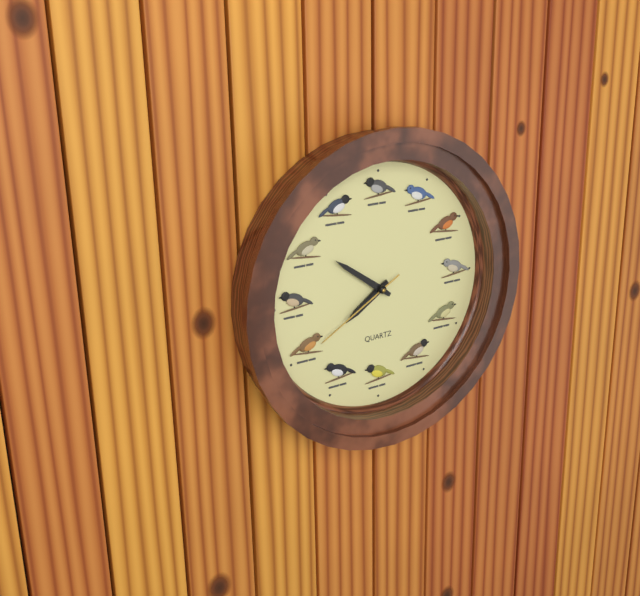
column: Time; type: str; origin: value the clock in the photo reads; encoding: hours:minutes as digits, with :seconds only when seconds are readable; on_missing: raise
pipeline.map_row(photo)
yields 7:51:40
